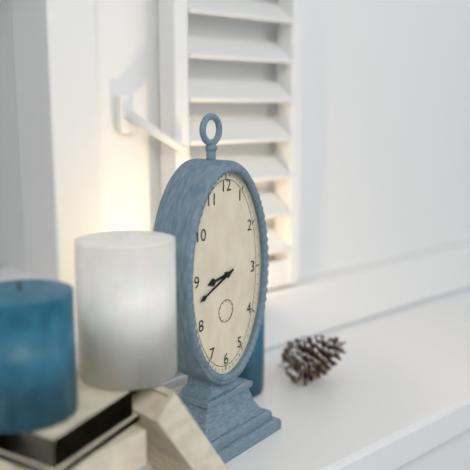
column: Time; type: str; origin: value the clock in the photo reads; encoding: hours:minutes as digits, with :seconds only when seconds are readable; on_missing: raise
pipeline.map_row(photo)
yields 8:41
